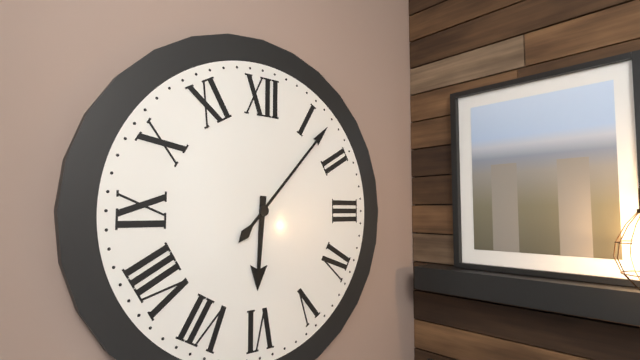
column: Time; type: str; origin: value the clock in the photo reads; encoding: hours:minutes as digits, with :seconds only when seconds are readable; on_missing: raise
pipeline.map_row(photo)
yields 6:07
